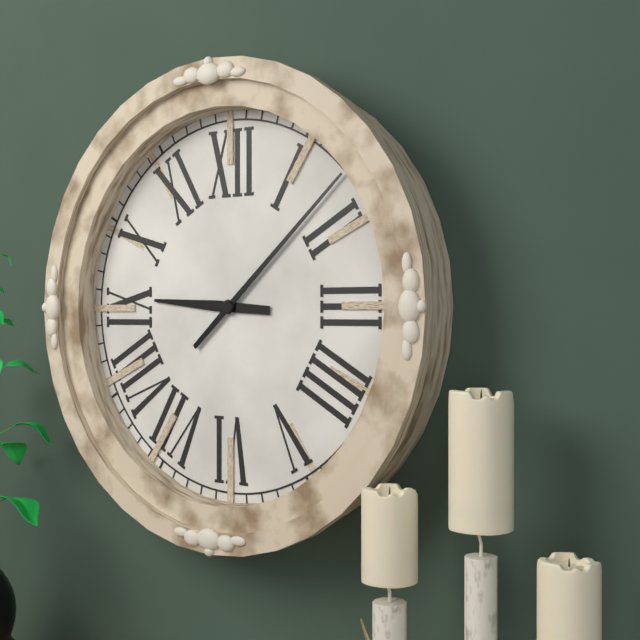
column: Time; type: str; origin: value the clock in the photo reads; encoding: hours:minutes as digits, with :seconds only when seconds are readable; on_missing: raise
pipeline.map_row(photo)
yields 9:08
